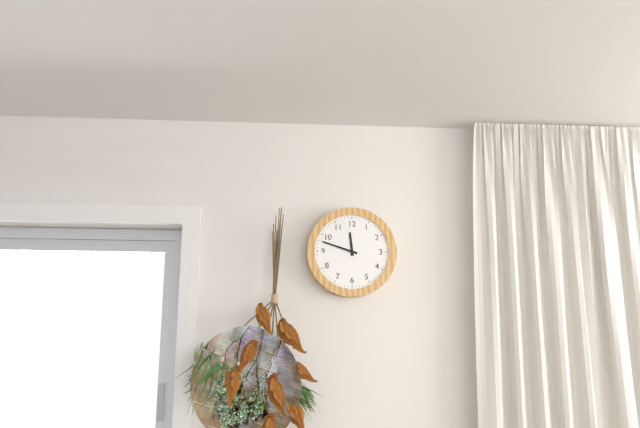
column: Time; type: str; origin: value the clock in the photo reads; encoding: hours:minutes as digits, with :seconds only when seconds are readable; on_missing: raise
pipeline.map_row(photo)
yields 11:48
